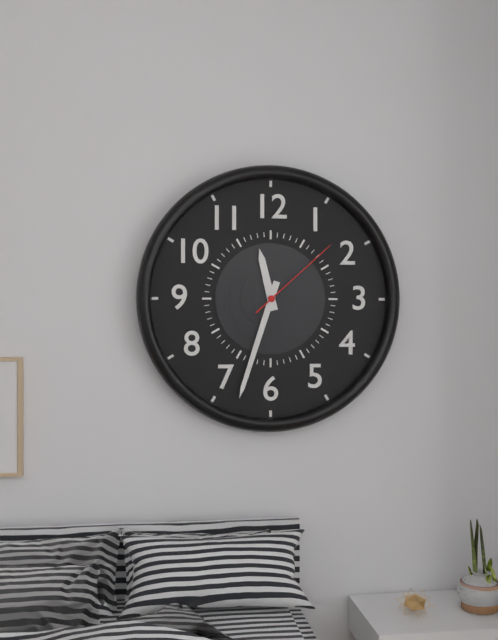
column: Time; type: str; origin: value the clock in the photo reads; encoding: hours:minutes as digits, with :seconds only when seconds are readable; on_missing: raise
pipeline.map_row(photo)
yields 11:33:08
